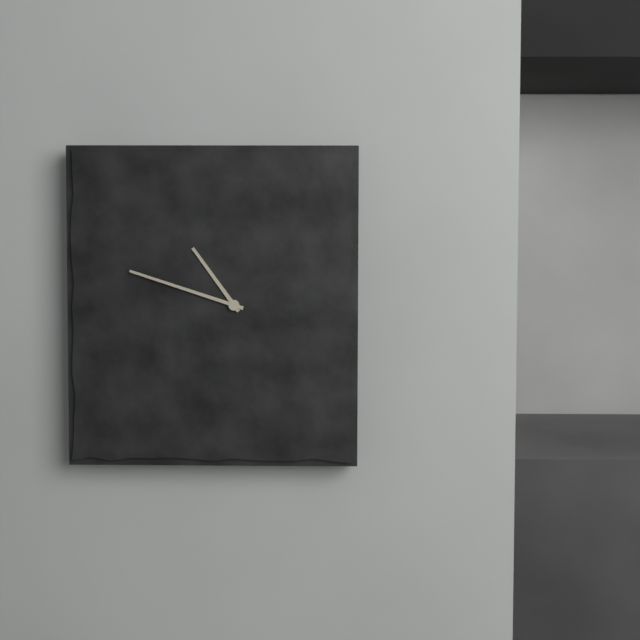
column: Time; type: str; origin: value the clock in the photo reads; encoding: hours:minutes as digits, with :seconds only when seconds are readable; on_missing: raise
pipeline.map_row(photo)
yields 10:48
